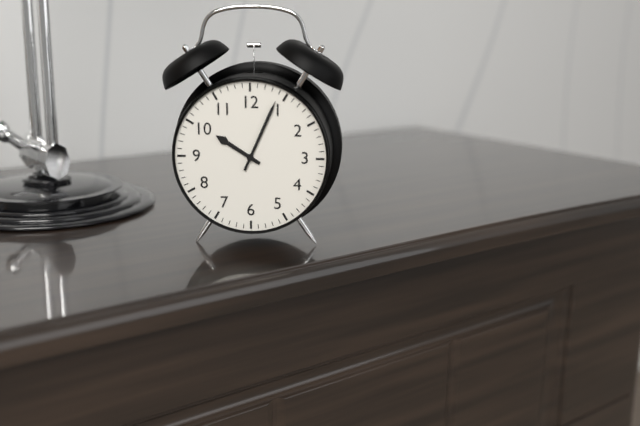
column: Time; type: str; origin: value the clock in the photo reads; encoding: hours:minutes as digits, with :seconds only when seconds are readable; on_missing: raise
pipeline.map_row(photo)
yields 10:04
